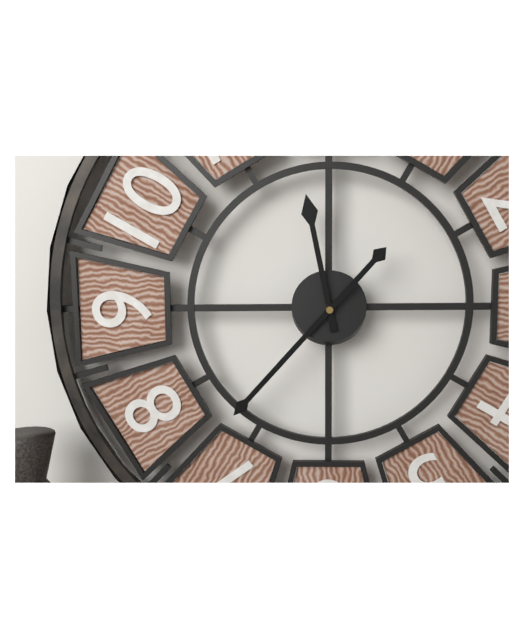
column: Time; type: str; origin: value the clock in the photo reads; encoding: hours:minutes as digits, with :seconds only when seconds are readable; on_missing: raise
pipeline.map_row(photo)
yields 11:37
